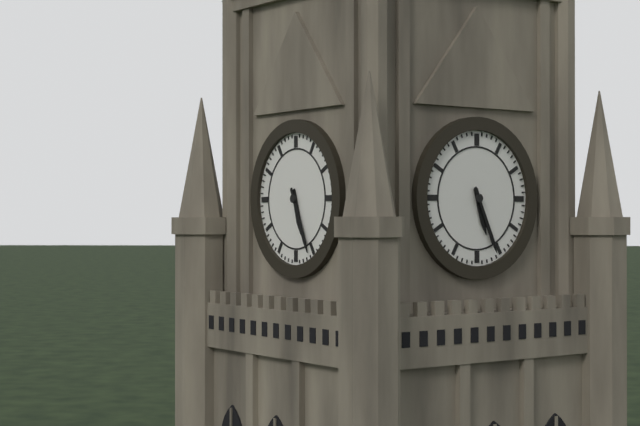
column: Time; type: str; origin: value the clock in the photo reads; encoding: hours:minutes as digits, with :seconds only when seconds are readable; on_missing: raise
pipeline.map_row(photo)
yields 5:26
